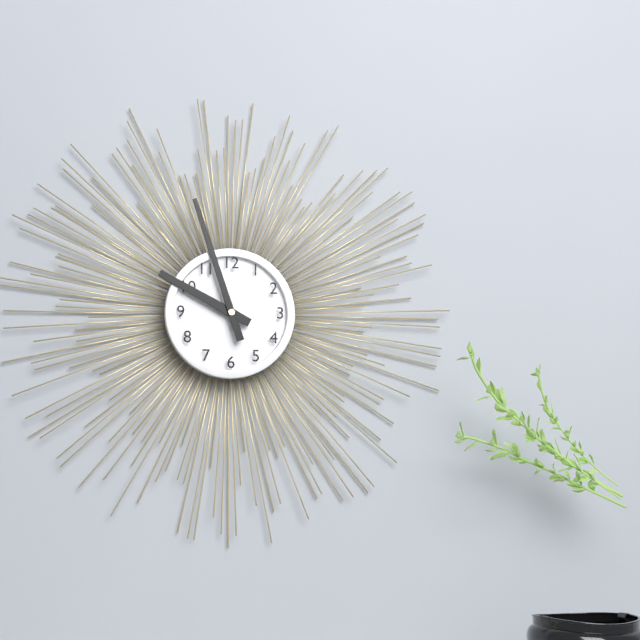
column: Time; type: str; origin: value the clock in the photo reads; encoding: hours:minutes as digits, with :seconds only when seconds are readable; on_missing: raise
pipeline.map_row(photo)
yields 9:57
